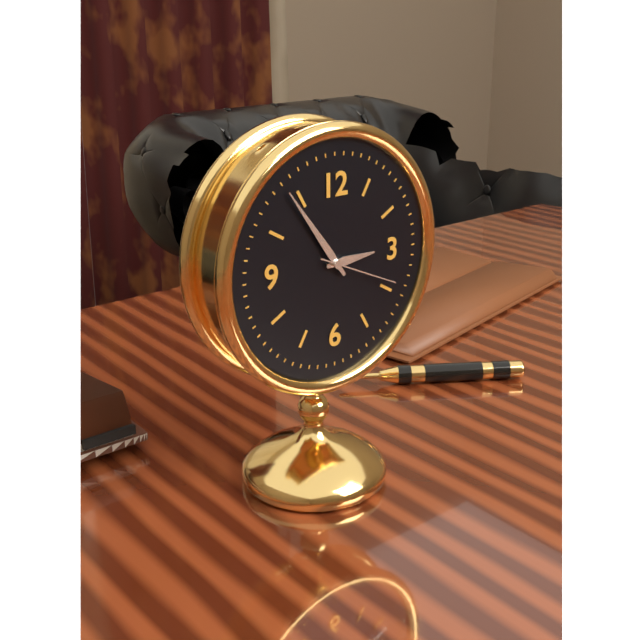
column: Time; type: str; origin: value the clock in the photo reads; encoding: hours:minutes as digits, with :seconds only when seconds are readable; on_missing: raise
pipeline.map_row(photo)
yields 2:54:19
